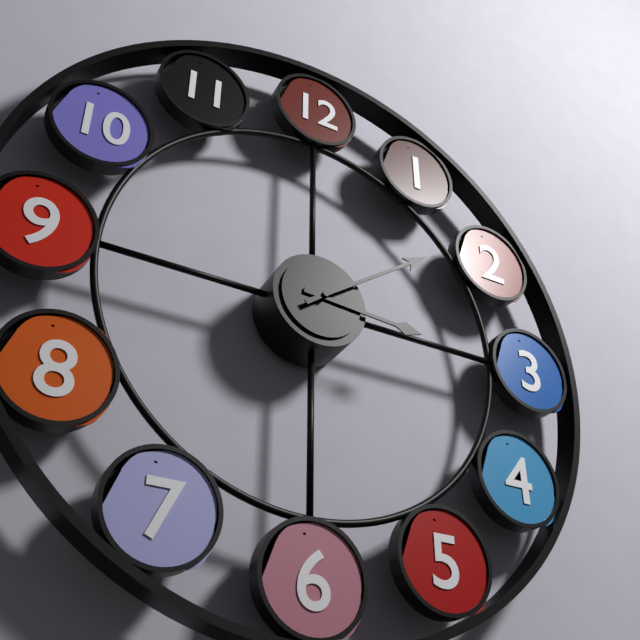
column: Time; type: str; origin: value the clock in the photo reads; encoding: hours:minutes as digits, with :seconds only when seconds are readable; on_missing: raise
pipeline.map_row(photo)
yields 3:09
